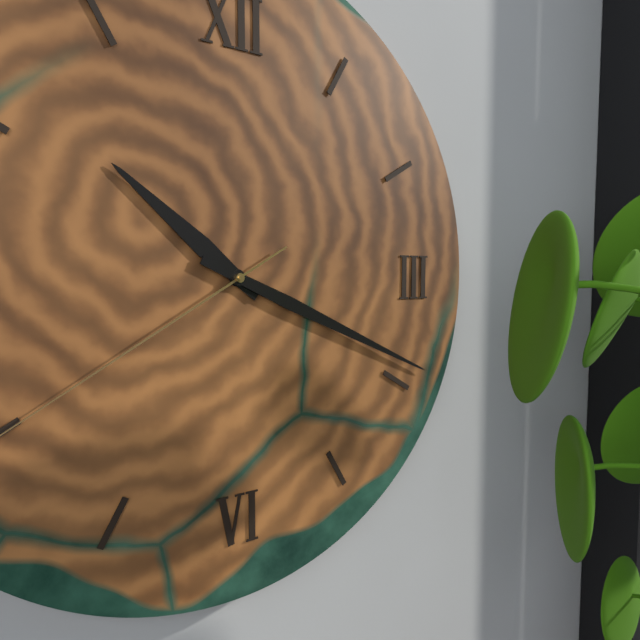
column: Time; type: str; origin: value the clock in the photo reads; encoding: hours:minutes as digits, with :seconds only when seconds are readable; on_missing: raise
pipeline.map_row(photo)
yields 10:19
